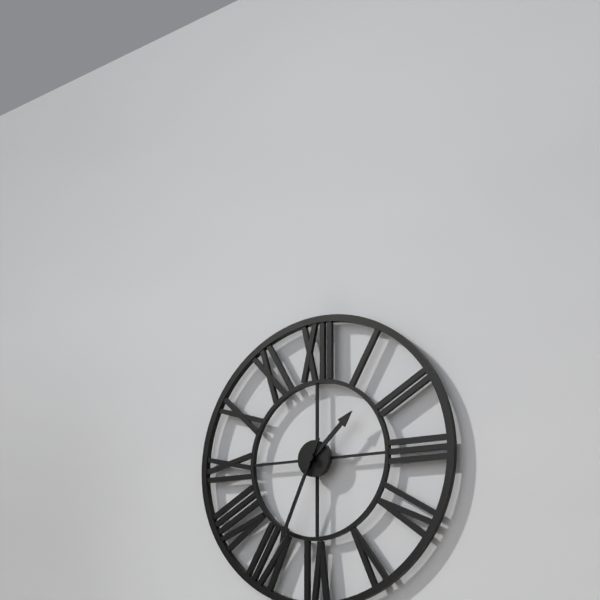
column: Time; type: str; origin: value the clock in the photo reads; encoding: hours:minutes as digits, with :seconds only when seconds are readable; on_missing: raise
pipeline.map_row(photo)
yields 1:34
